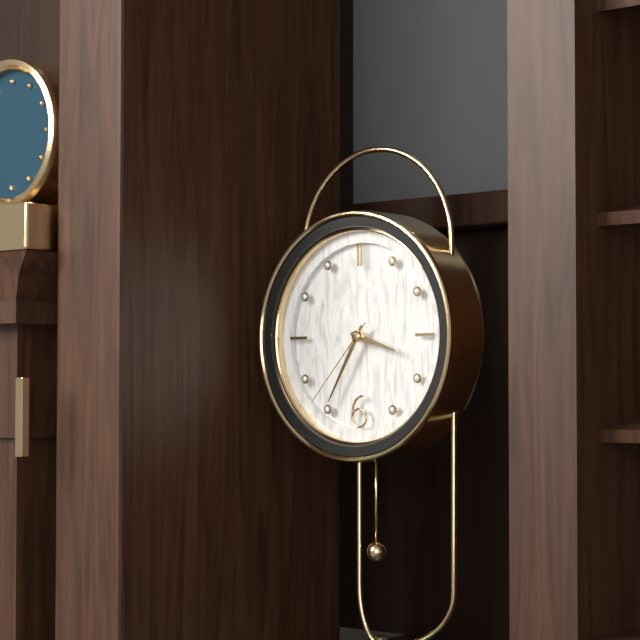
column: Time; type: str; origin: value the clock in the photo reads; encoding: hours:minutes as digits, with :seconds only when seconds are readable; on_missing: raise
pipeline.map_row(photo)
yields 3:35:37
